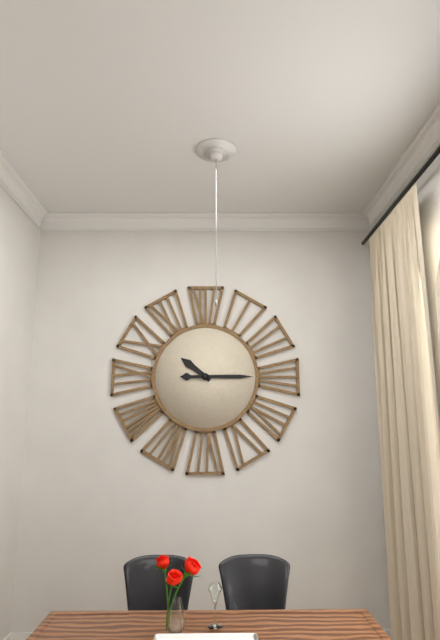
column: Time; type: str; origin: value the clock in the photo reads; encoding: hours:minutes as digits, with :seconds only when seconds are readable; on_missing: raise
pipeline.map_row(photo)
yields 10:15
